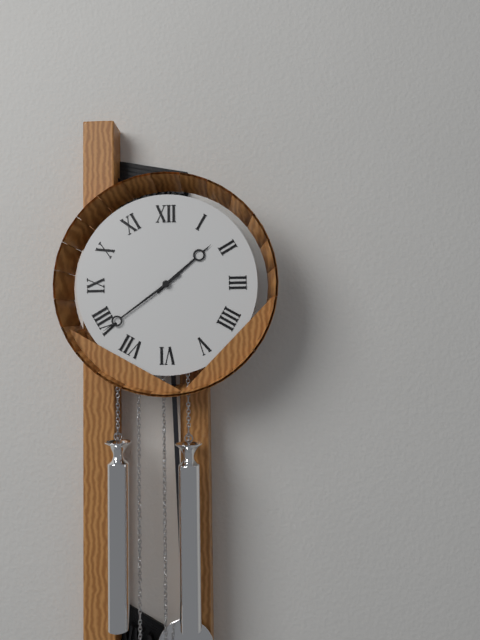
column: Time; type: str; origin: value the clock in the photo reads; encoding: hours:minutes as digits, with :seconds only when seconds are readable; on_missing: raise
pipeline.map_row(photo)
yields 1:39
